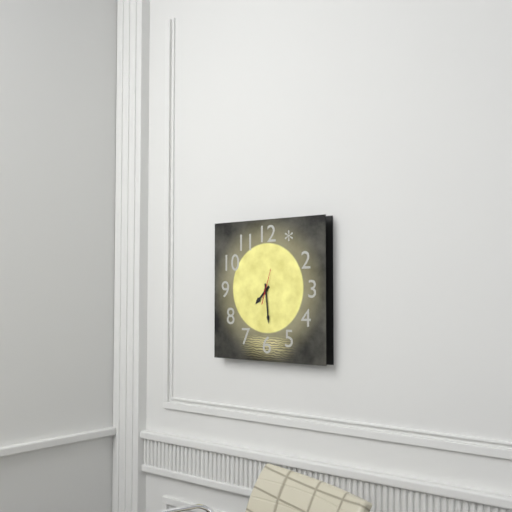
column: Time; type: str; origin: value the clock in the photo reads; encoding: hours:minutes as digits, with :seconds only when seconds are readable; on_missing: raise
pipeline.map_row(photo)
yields 7:29
